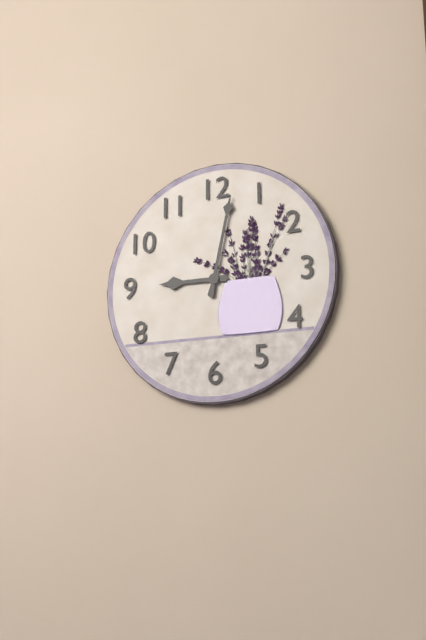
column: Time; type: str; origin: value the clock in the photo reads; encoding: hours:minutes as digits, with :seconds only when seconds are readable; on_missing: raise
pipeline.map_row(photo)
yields 9:02
